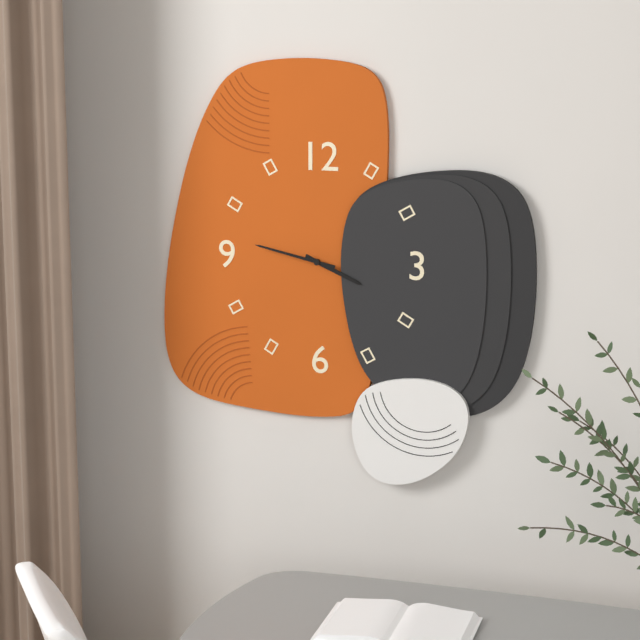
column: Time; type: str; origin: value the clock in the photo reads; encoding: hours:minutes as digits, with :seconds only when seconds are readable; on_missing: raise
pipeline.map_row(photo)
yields 3:47
